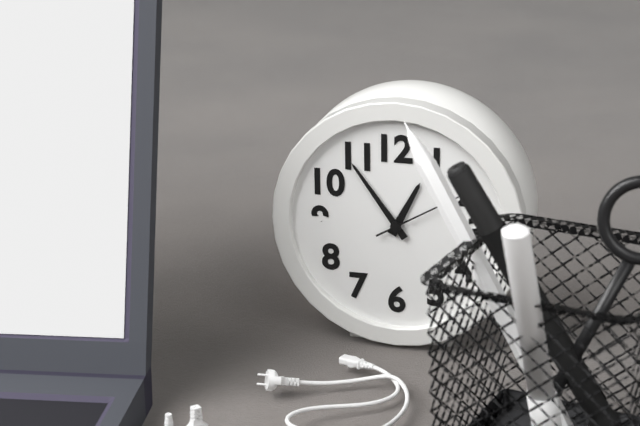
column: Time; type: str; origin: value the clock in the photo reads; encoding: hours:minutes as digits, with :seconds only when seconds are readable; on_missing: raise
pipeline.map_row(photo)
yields 12:54
